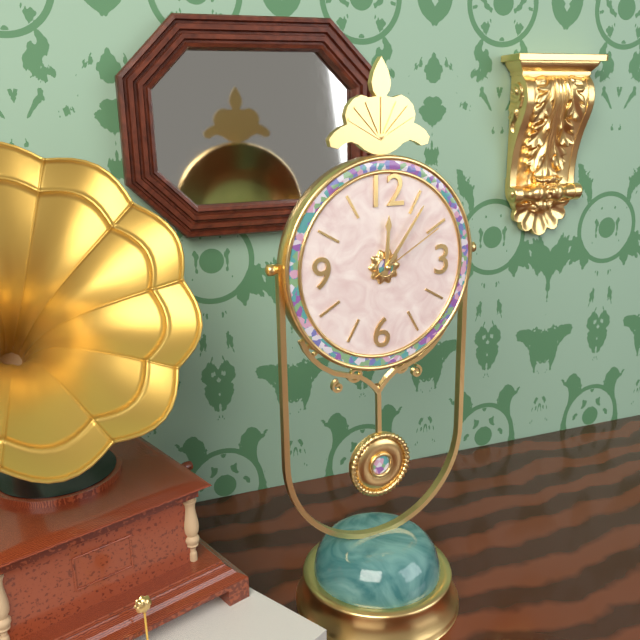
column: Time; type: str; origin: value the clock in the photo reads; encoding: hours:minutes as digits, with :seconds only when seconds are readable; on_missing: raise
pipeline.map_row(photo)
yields 12:06:10
